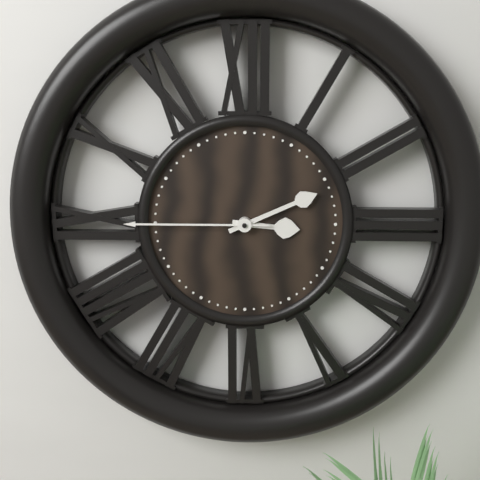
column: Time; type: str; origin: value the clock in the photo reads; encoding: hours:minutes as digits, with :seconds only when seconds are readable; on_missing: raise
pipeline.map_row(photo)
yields 3:11:45
